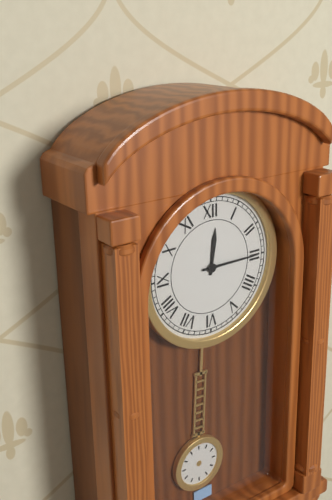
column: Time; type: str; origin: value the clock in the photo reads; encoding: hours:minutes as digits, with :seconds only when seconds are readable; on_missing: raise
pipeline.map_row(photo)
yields 12:15
